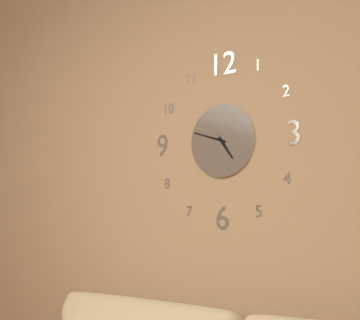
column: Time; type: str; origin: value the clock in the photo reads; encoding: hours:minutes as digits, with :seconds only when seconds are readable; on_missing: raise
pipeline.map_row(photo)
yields 4:48
